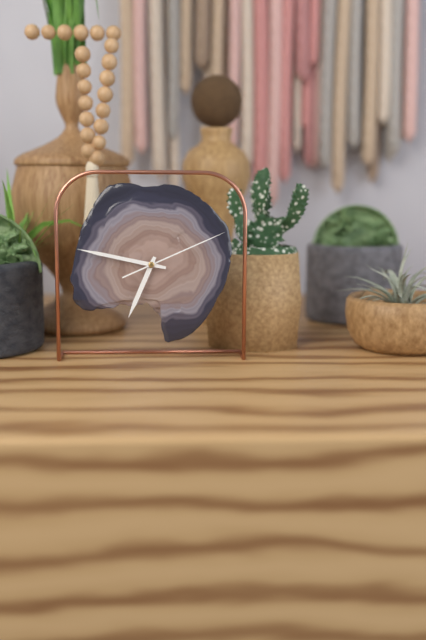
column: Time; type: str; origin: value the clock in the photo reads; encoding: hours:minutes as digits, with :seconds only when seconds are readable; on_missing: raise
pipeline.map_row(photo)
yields 6:47:11
